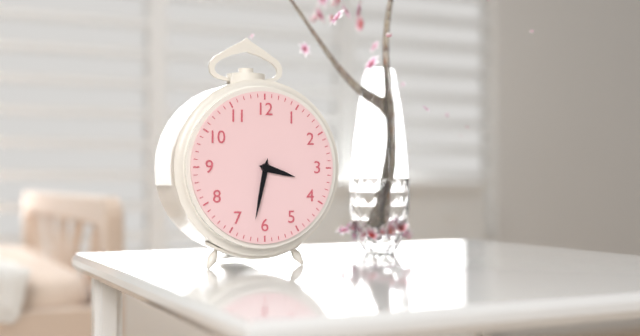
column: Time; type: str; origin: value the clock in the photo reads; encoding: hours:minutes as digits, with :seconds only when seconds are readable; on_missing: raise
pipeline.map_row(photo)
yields 3:32
